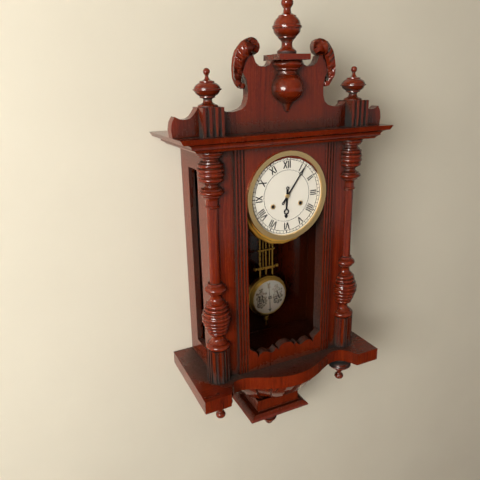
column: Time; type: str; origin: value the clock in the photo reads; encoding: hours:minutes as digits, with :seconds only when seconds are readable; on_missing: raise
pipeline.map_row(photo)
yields 6:06
